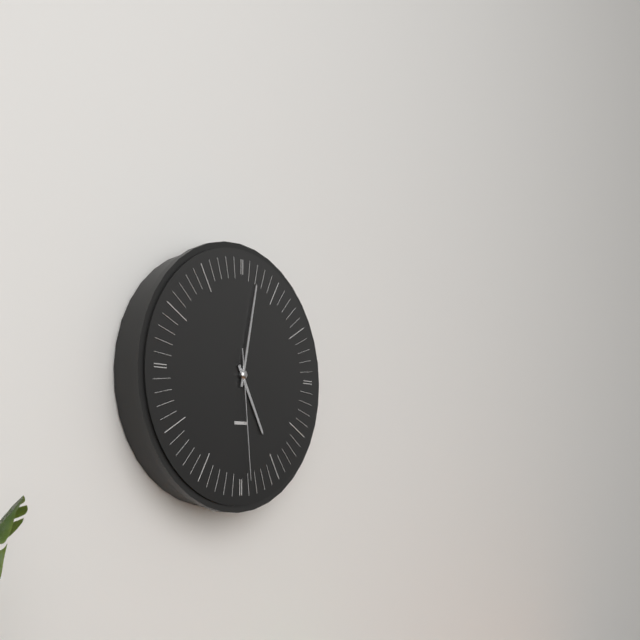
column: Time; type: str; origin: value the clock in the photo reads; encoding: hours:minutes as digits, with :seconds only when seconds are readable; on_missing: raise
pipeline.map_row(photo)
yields 5:02:29
